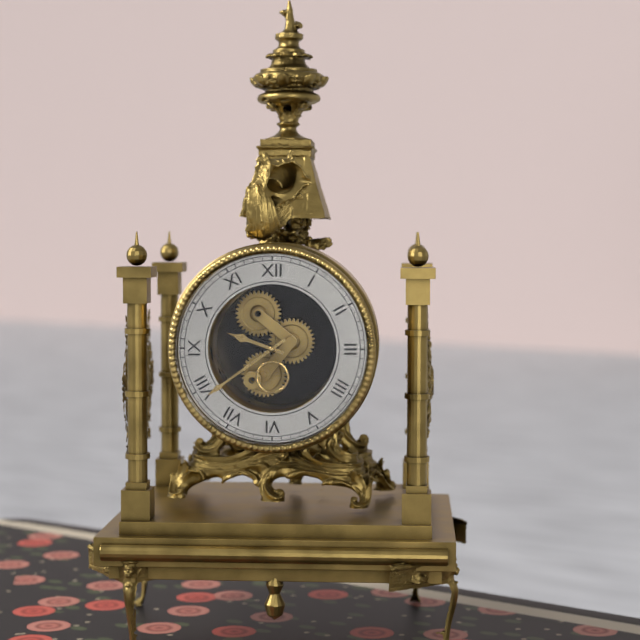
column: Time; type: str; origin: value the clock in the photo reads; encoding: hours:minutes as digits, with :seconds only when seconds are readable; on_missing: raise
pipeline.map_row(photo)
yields 9:39
